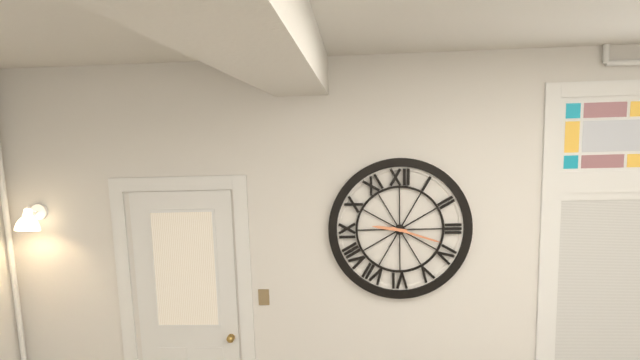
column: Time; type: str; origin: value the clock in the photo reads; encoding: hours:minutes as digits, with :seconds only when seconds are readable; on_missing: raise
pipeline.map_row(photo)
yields 9:18
